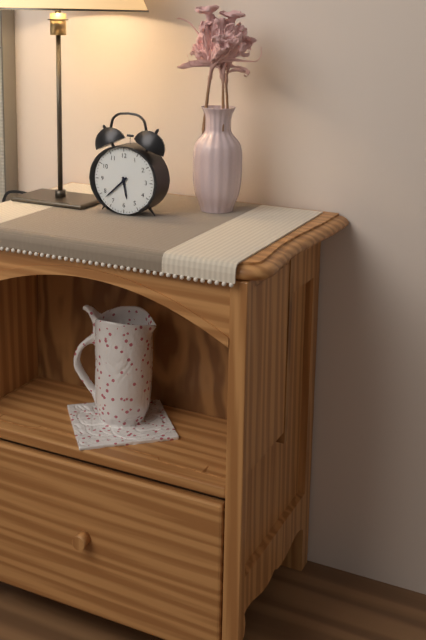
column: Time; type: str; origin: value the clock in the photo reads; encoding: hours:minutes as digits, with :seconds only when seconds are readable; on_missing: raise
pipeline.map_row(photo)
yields 5:38
